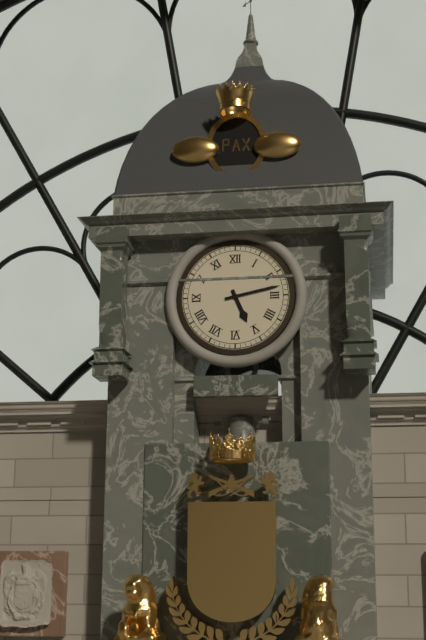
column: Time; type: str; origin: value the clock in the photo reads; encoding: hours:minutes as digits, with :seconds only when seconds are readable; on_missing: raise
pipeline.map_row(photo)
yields 5:13
